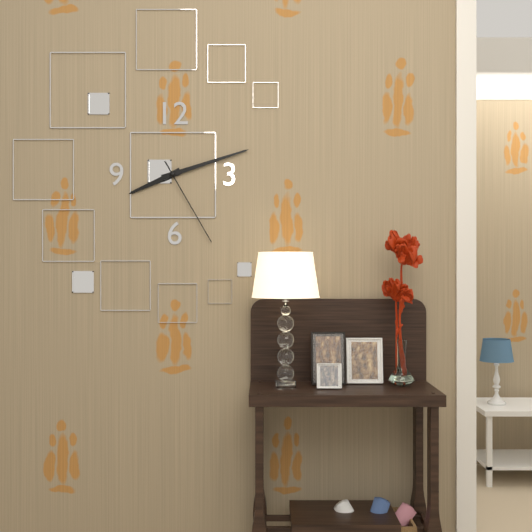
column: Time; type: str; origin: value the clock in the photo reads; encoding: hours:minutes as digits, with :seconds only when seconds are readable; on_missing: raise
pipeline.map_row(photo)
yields 8:12:25
